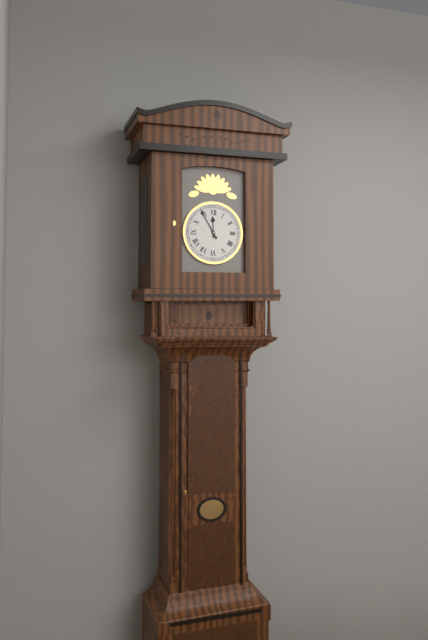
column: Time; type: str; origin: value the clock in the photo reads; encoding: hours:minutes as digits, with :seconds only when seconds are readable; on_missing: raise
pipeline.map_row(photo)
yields 11:55
